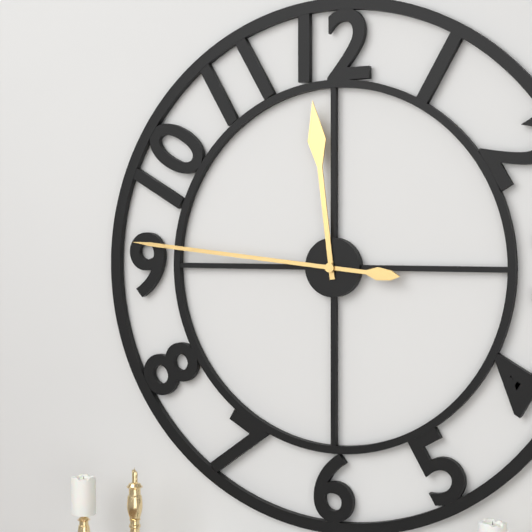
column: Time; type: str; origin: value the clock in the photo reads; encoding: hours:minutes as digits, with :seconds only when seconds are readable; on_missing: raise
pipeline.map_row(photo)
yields 11:46
